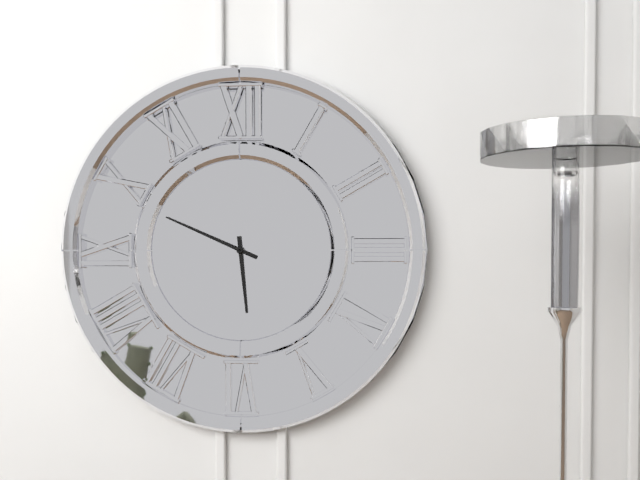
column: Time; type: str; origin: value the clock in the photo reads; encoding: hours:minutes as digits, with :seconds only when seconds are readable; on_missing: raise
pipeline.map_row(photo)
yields 5:49
